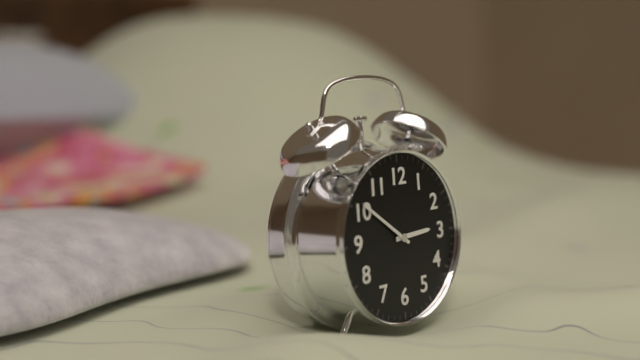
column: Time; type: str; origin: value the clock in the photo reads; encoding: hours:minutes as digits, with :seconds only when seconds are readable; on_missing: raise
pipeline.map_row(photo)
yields 2:51
